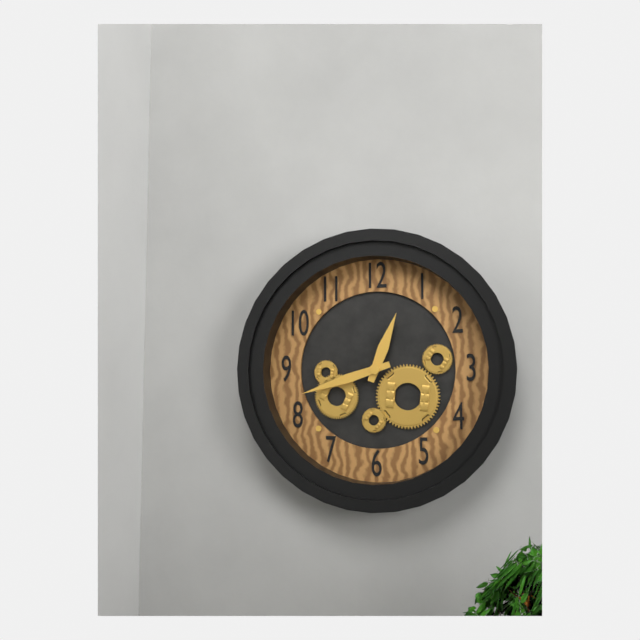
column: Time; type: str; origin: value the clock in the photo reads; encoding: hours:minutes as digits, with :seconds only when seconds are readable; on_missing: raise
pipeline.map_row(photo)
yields 12:42
